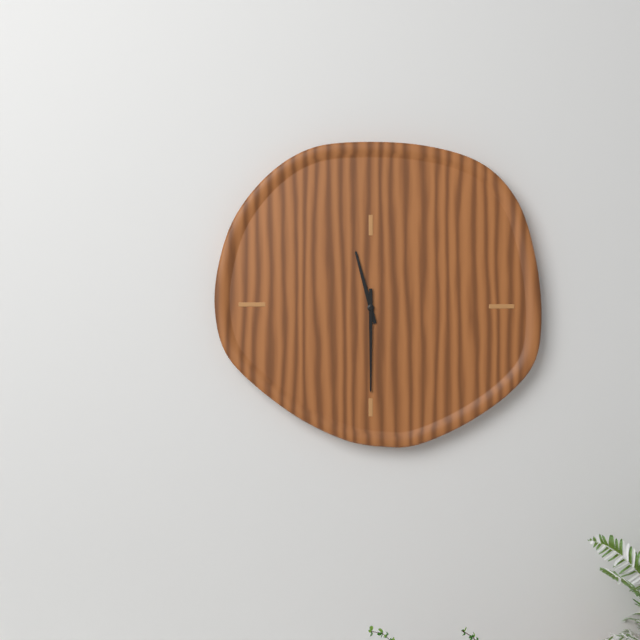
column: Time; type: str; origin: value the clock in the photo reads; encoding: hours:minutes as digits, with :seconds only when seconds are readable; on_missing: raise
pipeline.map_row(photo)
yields 11:30
